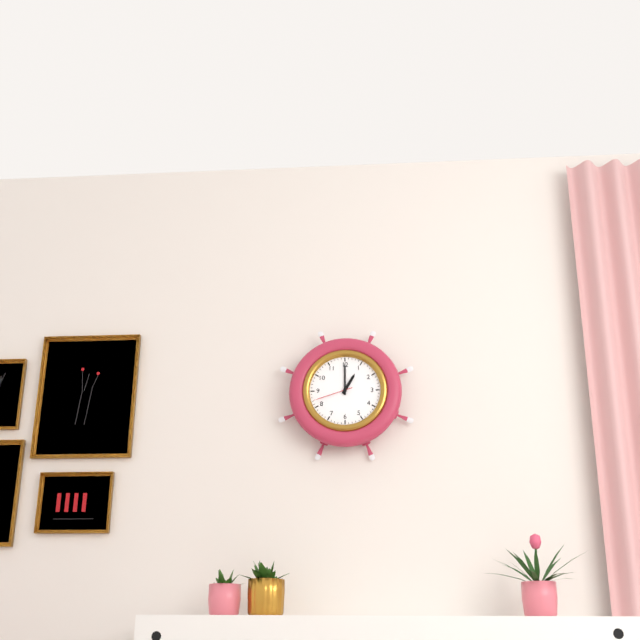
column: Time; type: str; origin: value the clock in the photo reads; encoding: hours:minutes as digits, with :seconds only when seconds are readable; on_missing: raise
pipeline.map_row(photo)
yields 1:00
